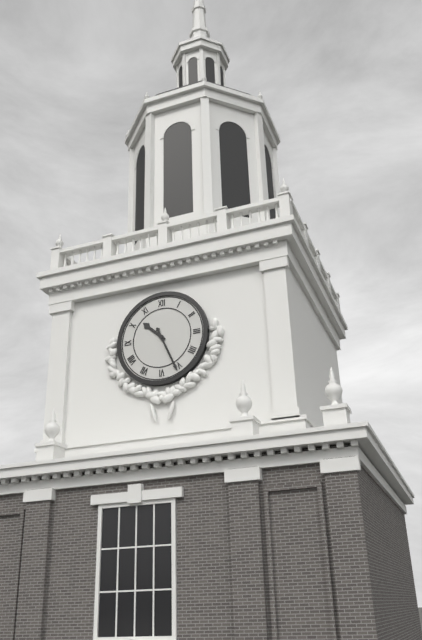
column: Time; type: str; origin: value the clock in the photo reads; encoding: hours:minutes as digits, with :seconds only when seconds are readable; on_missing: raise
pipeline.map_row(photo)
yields 10:26
